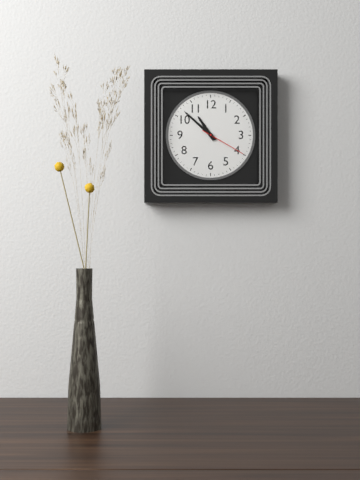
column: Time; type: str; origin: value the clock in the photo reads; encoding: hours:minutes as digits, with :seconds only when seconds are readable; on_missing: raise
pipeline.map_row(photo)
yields 10:52
